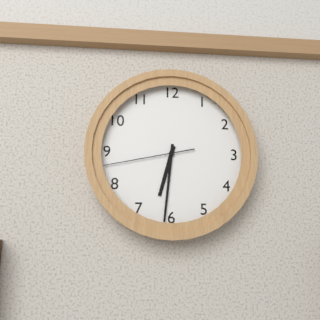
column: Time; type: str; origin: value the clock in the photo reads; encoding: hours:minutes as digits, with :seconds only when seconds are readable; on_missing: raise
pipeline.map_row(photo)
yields 6:31:43
